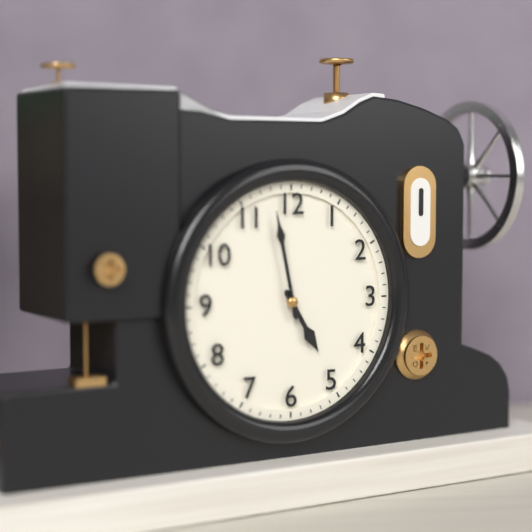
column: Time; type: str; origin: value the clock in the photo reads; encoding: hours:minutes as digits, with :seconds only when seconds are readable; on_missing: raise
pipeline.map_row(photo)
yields 4:58
